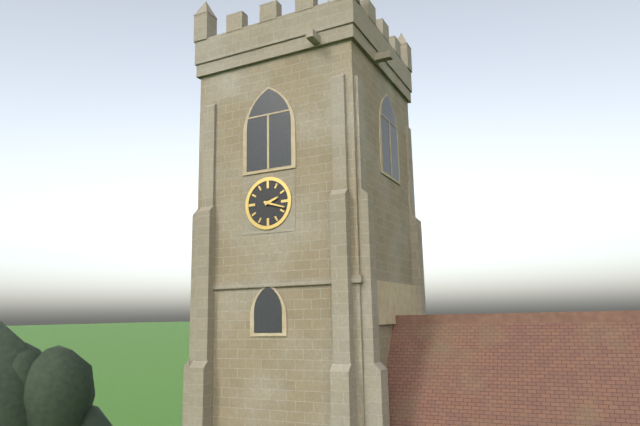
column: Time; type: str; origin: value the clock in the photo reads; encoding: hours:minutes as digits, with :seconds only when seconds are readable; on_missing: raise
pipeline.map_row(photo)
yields 2:18
